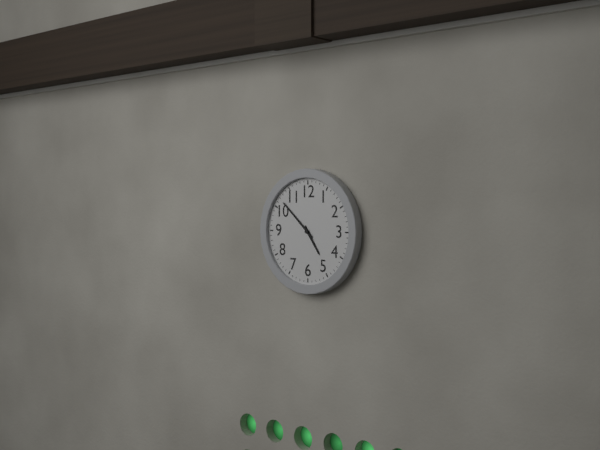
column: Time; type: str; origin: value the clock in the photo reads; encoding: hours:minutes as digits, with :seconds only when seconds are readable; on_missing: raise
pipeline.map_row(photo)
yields 4:52
